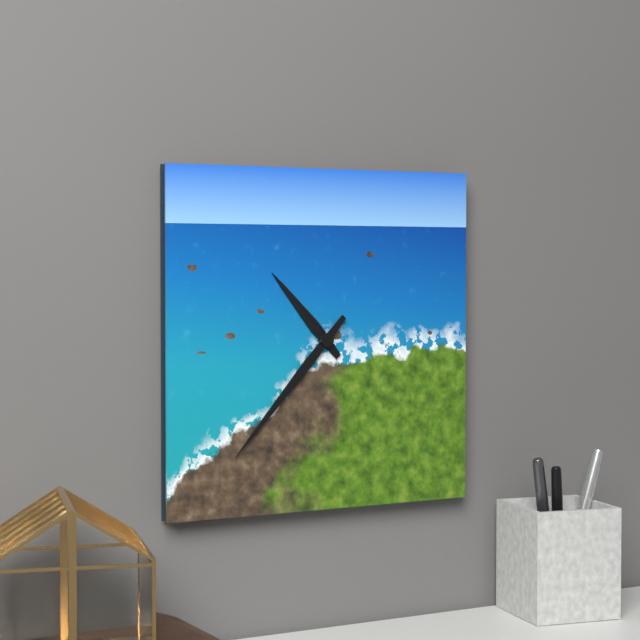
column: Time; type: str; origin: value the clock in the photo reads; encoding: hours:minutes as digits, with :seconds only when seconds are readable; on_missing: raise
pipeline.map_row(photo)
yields 10:37
